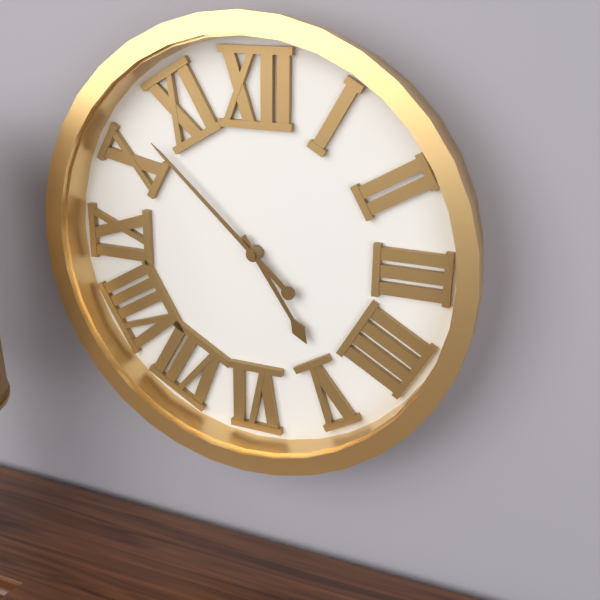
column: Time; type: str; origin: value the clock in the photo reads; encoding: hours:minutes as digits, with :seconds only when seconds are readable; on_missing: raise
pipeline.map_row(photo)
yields 4:52
